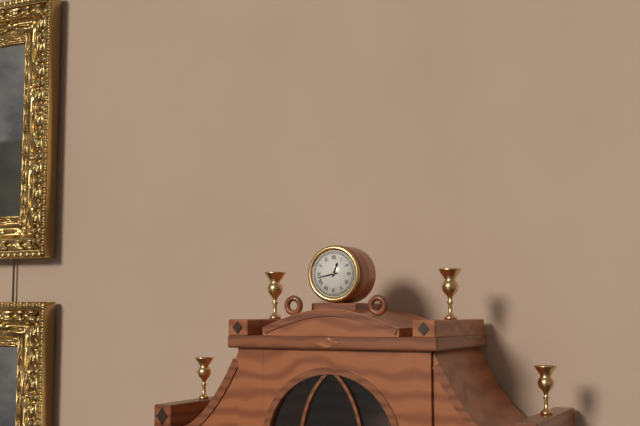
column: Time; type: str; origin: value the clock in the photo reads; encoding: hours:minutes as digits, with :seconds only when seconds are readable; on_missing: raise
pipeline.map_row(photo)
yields 12:43
